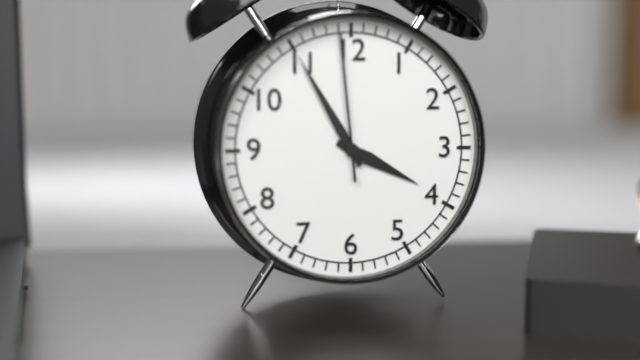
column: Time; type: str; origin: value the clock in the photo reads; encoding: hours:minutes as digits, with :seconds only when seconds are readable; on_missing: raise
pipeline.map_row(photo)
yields 3:55:59
